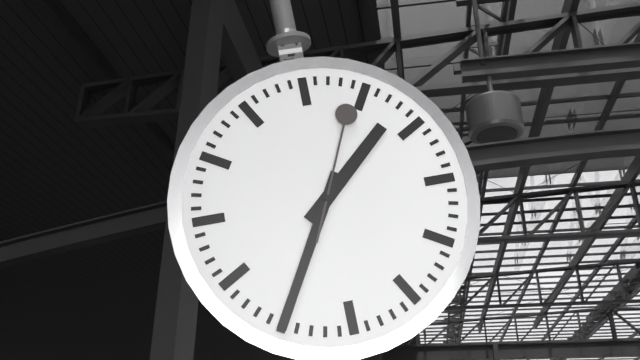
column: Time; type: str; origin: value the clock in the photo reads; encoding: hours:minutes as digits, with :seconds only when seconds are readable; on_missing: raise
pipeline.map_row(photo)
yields 1:35:04
